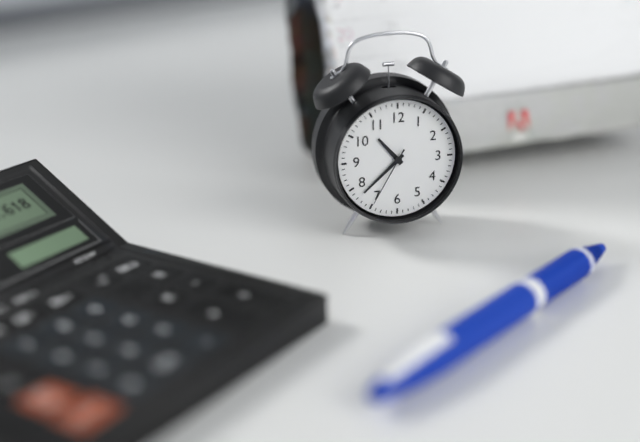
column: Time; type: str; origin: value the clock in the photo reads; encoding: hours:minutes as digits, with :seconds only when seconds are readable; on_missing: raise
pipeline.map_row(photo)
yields 10:38:35
